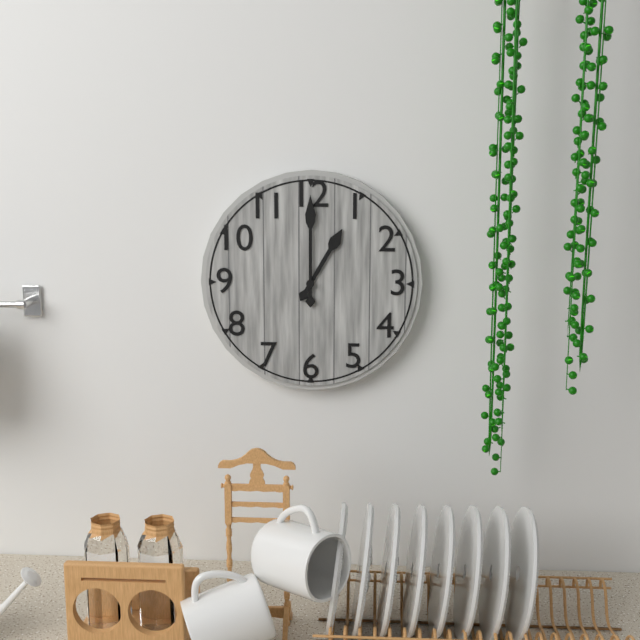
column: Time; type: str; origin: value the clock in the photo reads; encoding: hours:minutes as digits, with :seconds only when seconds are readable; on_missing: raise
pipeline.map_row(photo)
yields 1:00
